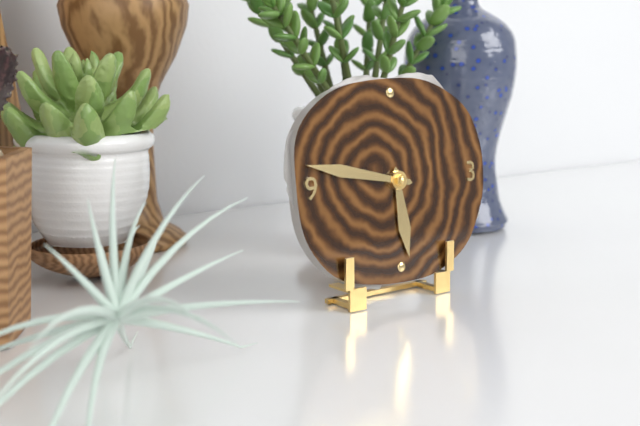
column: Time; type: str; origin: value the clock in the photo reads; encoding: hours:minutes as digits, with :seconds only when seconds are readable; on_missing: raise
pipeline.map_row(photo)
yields 5:47
